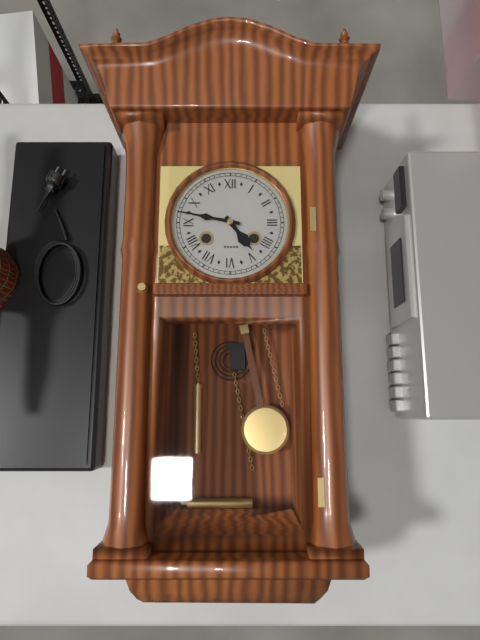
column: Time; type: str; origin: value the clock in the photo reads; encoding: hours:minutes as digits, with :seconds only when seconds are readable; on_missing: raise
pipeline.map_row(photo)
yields 4:47
